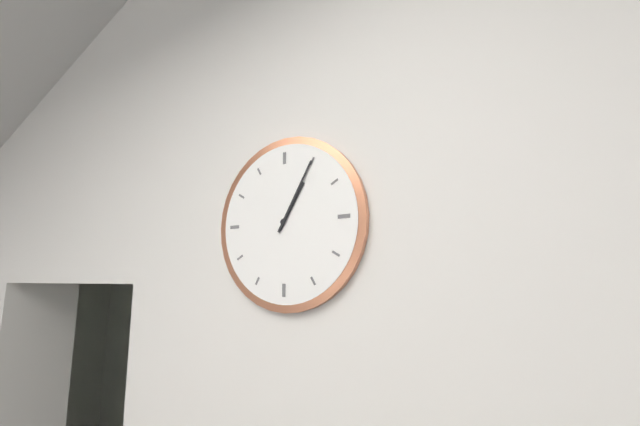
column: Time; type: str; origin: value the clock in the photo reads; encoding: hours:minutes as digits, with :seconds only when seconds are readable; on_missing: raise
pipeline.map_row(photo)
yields 1:05
